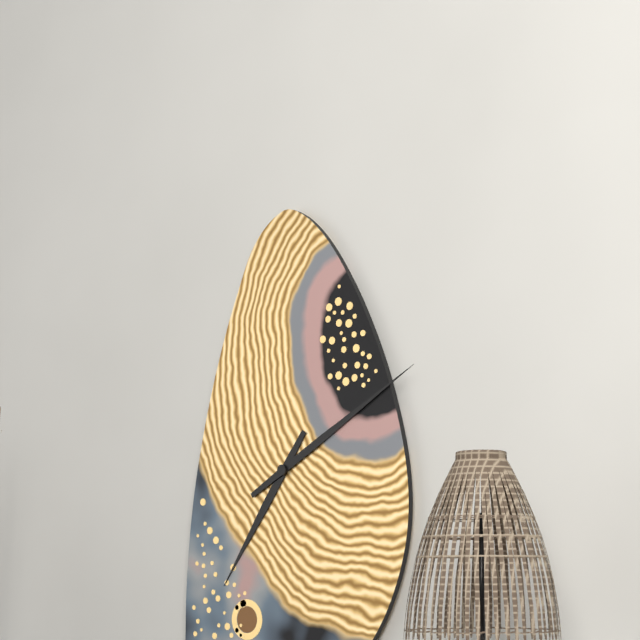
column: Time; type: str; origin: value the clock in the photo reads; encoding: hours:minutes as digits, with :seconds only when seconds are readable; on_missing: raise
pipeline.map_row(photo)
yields 7:10
